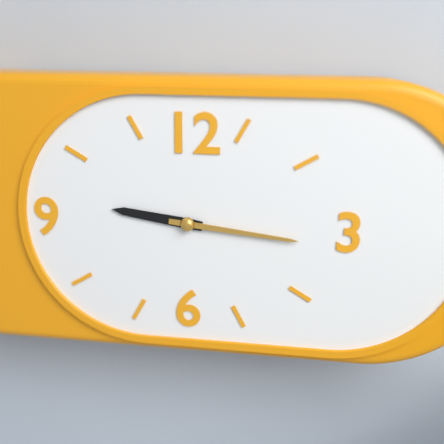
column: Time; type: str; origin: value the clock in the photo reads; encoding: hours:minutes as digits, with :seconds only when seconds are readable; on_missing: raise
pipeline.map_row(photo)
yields 9:16
